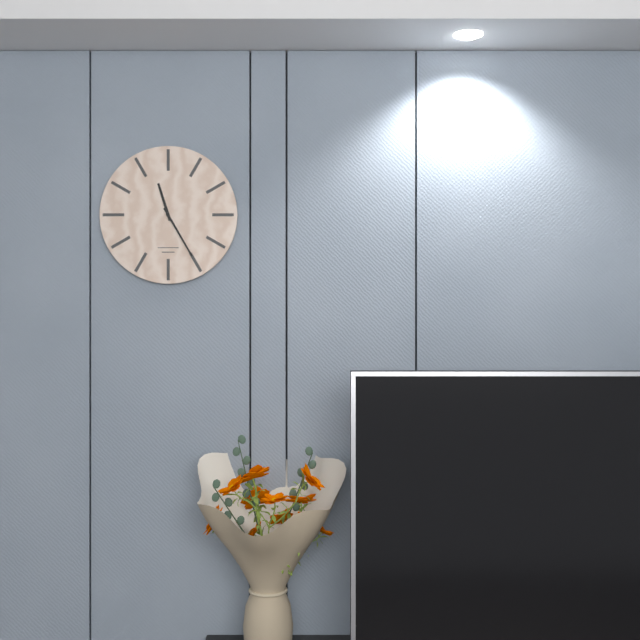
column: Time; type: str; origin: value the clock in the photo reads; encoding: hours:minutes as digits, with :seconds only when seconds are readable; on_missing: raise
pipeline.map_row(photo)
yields 11:25
